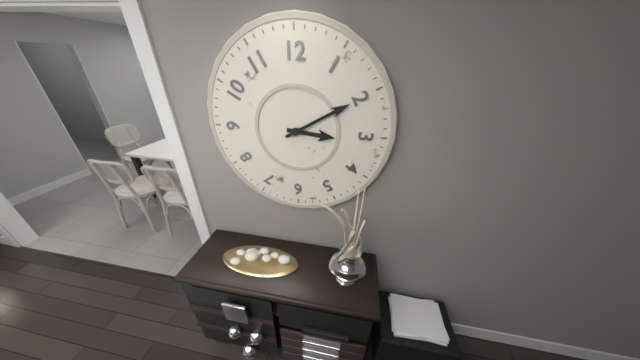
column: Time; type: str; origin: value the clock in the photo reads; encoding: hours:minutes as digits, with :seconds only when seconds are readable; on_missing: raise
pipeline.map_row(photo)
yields 3:10
